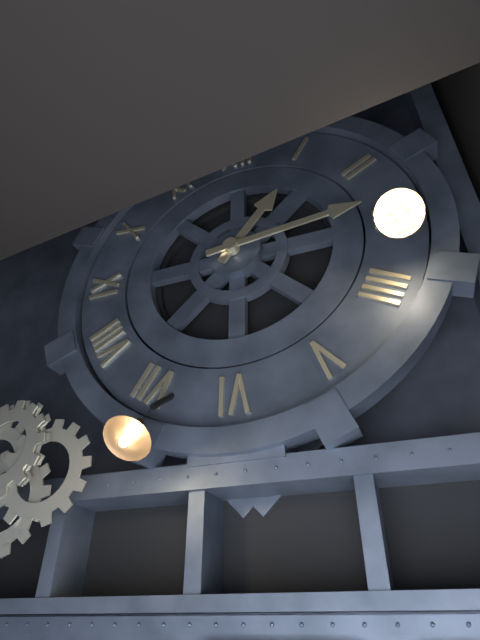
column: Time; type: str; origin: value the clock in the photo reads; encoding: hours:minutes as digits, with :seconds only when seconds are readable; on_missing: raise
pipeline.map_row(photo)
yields 1:14
